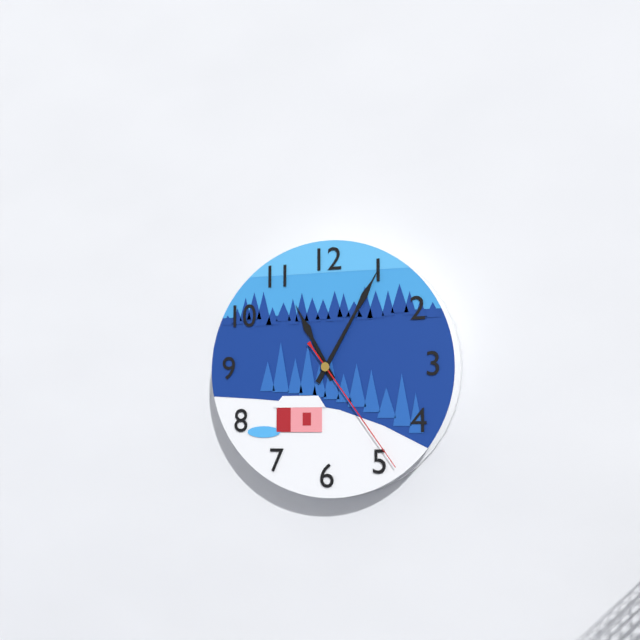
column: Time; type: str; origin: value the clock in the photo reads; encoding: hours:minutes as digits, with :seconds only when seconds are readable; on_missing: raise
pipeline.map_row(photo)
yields 11:05:24
